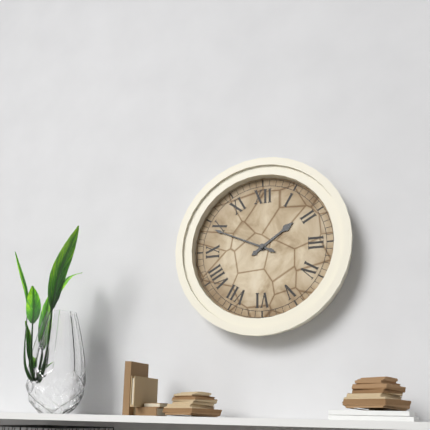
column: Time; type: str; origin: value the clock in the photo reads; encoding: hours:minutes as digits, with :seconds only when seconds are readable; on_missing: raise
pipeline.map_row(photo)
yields 1:49
